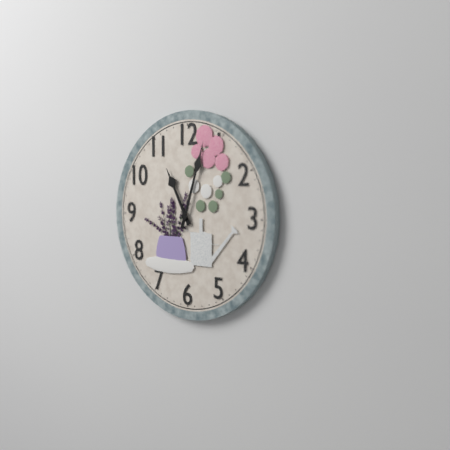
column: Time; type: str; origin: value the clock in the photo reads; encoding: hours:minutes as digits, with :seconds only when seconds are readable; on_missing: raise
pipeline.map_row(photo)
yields 11:03
